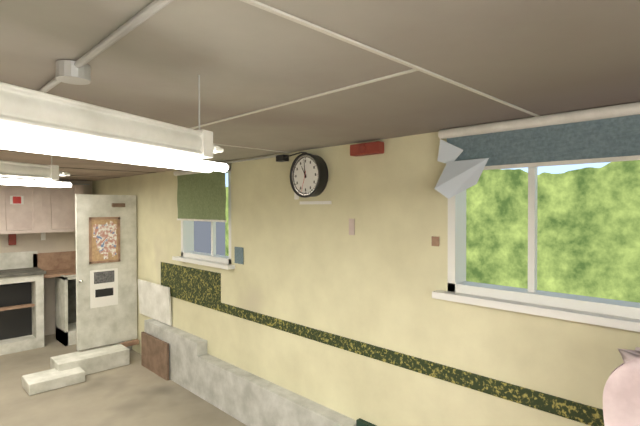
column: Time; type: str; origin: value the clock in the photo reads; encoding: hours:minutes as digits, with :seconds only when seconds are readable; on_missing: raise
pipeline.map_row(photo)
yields 10:59
